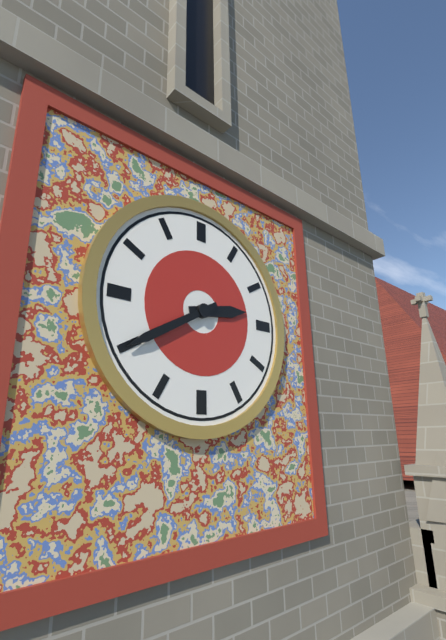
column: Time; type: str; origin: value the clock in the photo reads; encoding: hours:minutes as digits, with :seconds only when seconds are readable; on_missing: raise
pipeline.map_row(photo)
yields 2:40
